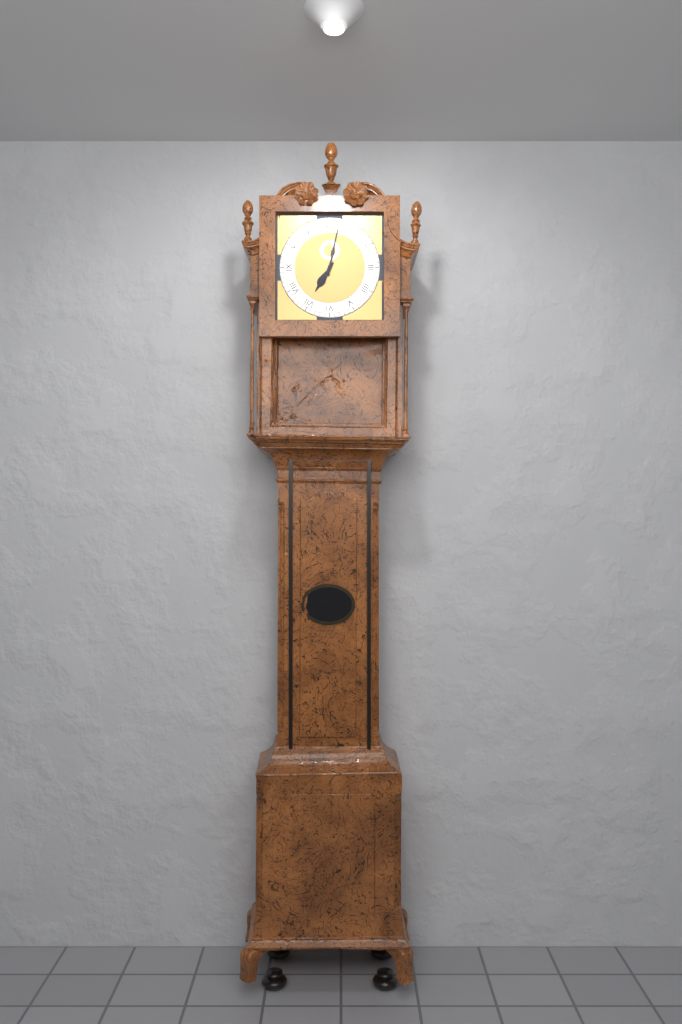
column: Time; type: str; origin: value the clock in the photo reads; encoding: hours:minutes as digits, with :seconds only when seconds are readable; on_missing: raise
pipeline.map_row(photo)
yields 7:02
